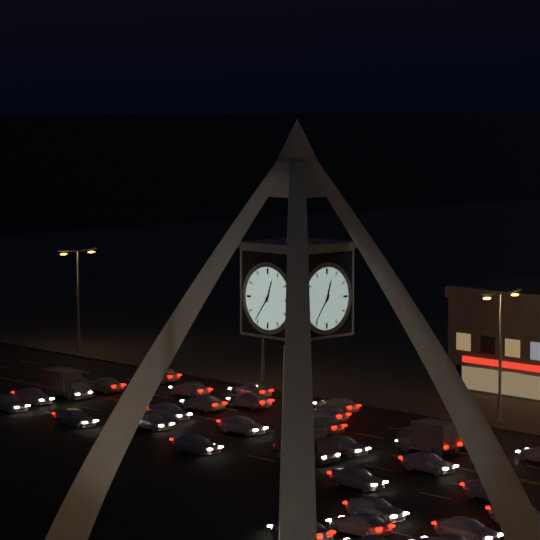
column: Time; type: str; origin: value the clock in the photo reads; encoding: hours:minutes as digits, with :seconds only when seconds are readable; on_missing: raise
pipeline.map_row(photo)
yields 12:36
